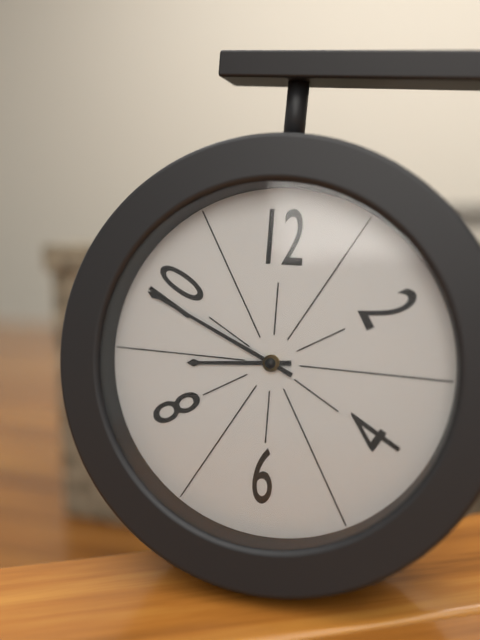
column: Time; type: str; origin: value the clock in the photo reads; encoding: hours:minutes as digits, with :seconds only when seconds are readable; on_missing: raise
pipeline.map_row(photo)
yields 8:49
